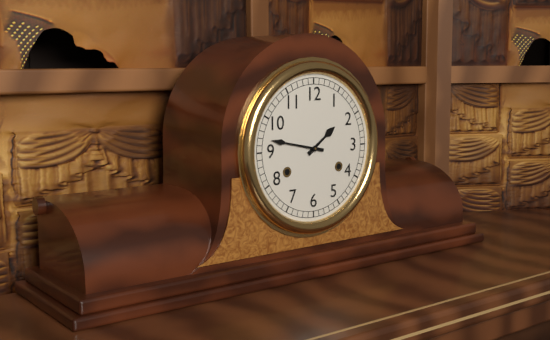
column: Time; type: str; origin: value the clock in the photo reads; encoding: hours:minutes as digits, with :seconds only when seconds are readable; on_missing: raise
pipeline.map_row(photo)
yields 1:47
